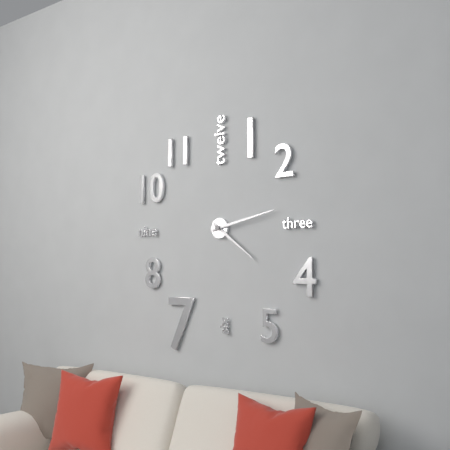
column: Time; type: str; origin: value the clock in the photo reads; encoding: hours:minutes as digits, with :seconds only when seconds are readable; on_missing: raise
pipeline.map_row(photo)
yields 4:13
